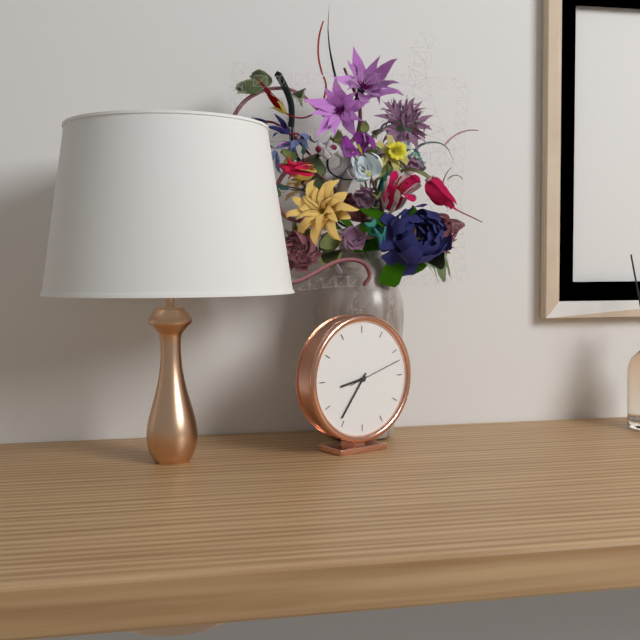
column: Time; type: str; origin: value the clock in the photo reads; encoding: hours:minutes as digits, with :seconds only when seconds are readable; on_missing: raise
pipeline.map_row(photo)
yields 8:36:12
